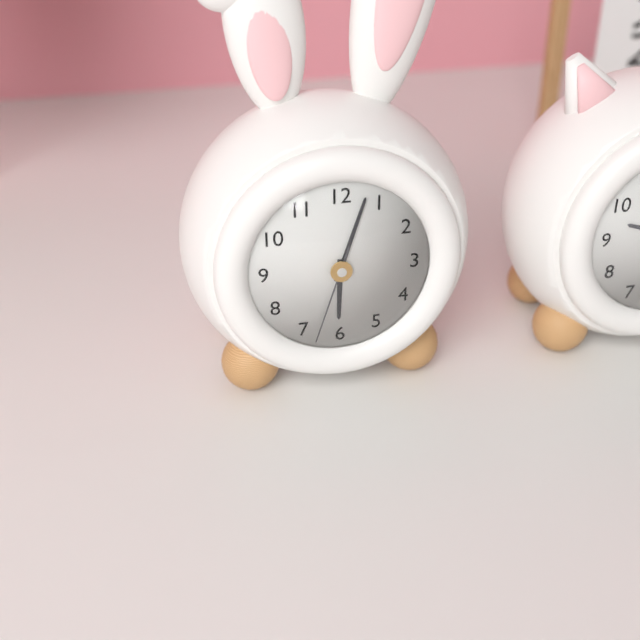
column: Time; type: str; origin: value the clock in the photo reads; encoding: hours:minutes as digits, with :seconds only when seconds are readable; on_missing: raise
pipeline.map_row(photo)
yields 6:03:33
